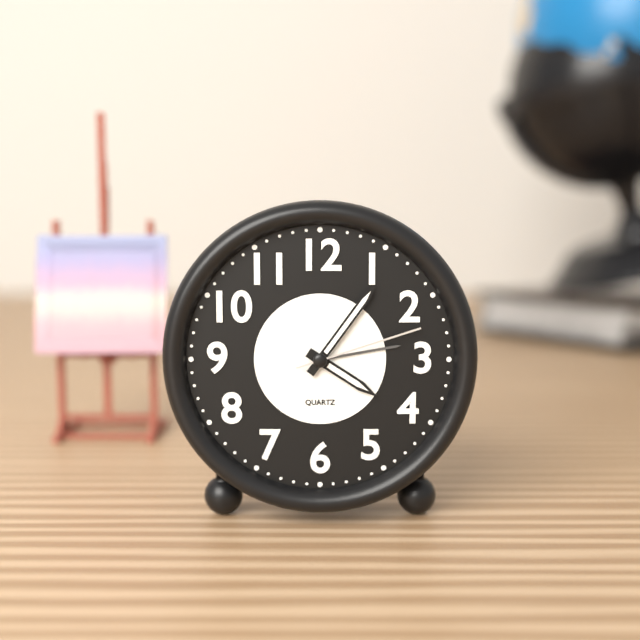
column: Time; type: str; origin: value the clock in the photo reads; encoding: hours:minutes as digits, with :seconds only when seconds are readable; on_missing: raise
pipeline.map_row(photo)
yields 4:06:12
